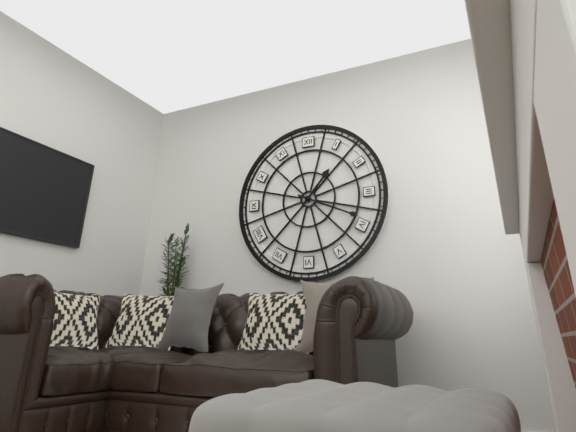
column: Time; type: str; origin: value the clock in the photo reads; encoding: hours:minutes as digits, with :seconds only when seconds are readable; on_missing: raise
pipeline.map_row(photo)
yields 1:19
